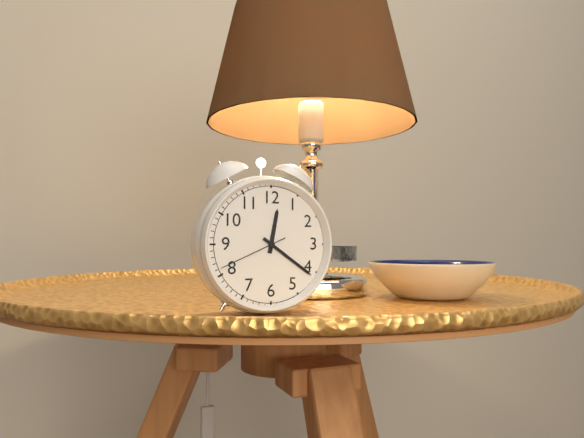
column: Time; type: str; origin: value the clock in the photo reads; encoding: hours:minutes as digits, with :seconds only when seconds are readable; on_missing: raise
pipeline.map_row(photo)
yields 12:21:41
